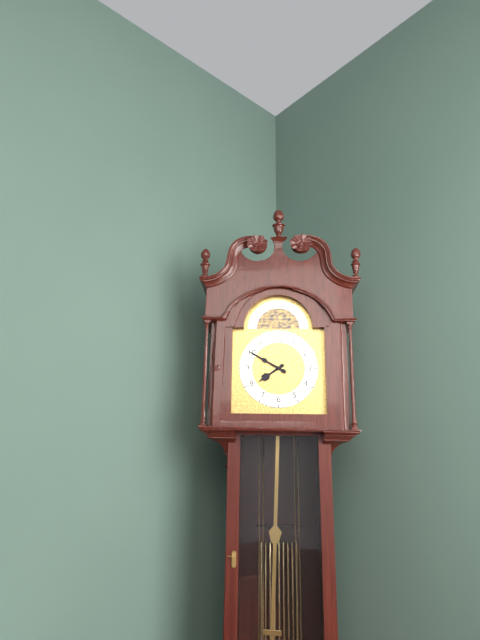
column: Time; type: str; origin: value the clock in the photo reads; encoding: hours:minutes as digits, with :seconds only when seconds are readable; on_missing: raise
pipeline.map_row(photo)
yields 7:50
